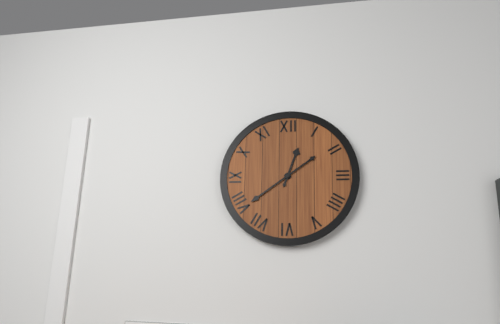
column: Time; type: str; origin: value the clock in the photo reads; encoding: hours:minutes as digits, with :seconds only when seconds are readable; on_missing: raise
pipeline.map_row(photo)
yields 12:39
